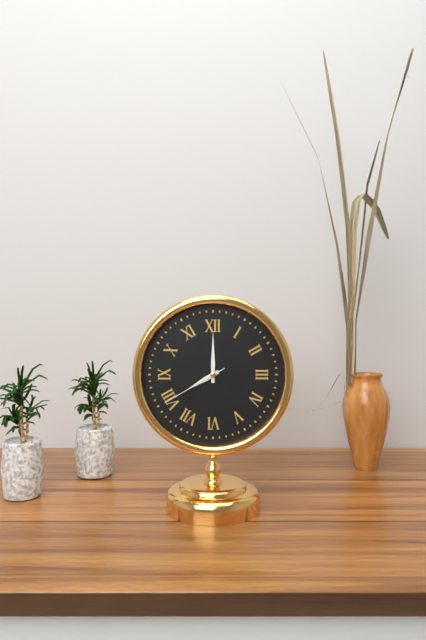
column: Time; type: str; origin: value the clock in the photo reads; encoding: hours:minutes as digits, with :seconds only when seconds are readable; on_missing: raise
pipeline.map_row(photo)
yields 8:00:40
